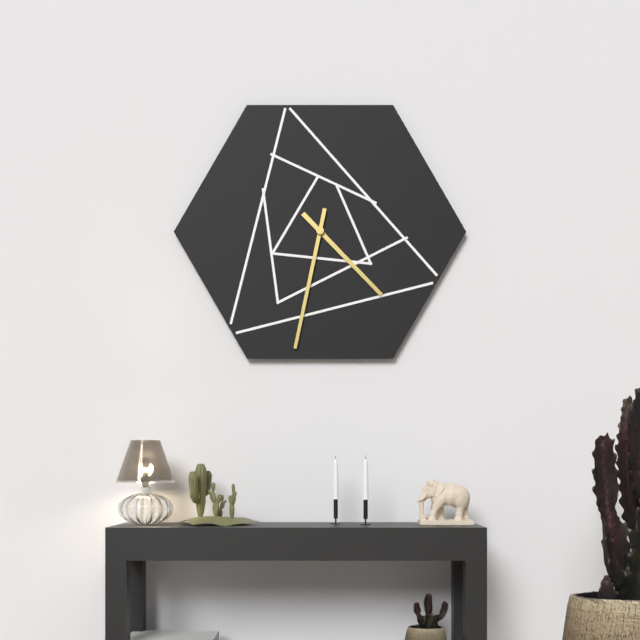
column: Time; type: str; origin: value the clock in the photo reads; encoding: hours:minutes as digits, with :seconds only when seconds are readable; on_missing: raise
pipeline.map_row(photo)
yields 4:32
